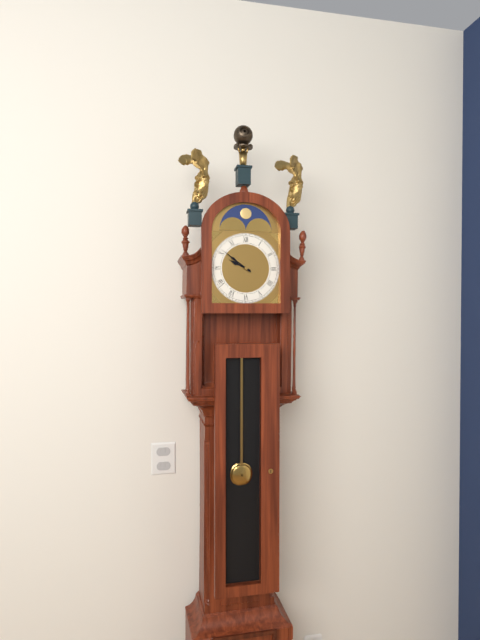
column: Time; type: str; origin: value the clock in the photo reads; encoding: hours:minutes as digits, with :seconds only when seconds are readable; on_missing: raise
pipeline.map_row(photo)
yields 9:51
